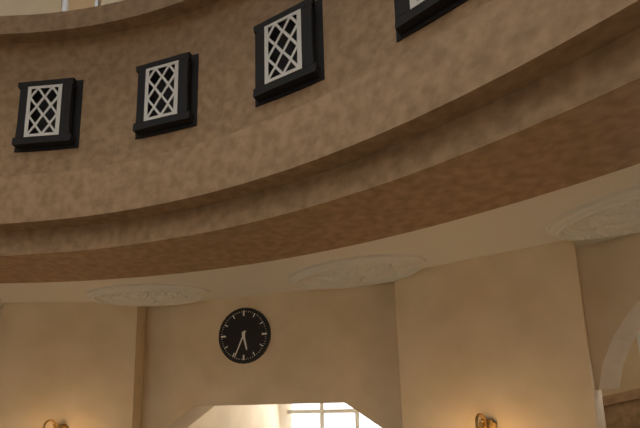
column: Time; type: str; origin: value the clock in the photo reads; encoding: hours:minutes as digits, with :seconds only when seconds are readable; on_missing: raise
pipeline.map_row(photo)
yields 5:34
